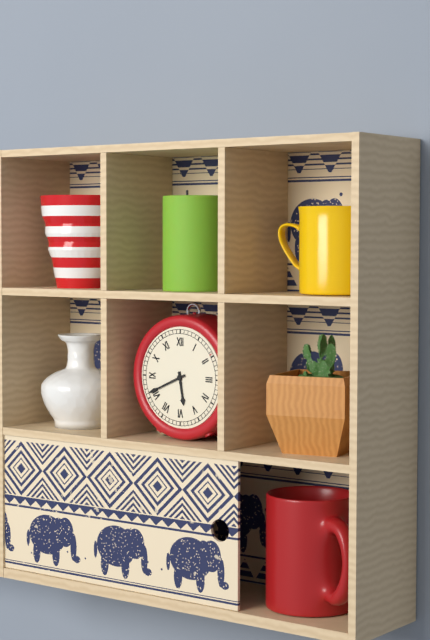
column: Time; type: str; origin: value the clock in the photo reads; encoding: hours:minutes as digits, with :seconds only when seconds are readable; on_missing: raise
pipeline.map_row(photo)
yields 5:41
